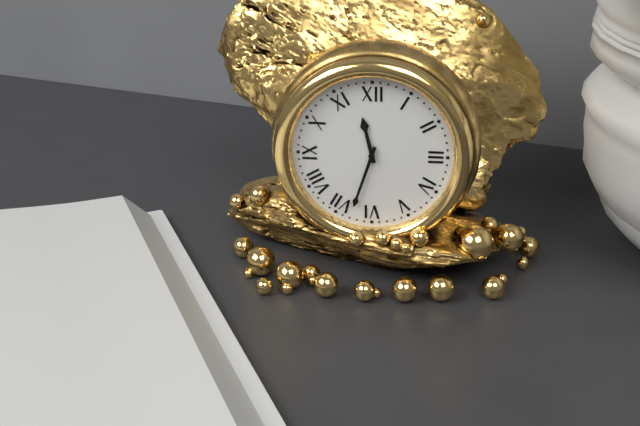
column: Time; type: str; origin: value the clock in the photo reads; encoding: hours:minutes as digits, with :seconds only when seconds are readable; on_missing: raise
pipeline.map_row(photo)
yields 11:33
